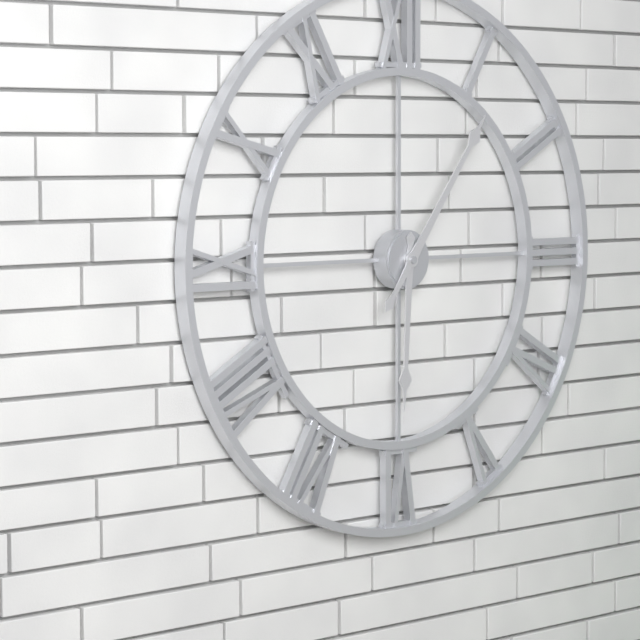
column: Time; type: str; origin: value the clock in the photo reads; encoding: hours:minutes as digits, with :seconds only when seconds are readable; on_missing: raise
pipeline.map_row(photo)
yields 6:06
